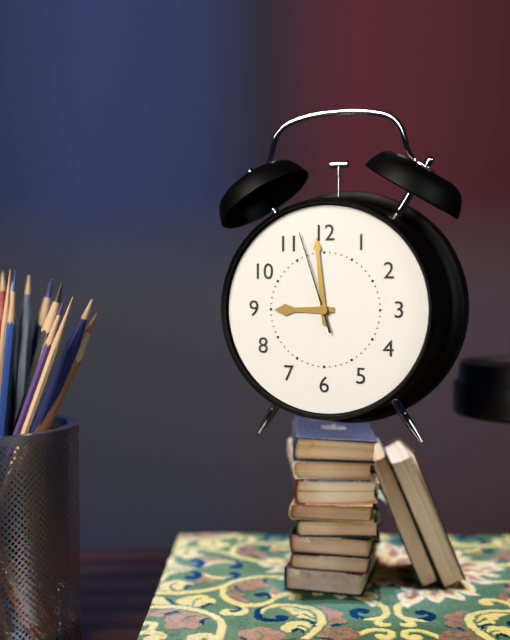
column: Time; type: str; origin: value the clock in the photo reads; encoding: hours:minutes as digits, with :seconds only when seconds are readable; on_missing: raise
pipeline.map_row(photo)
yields 8:59:57
